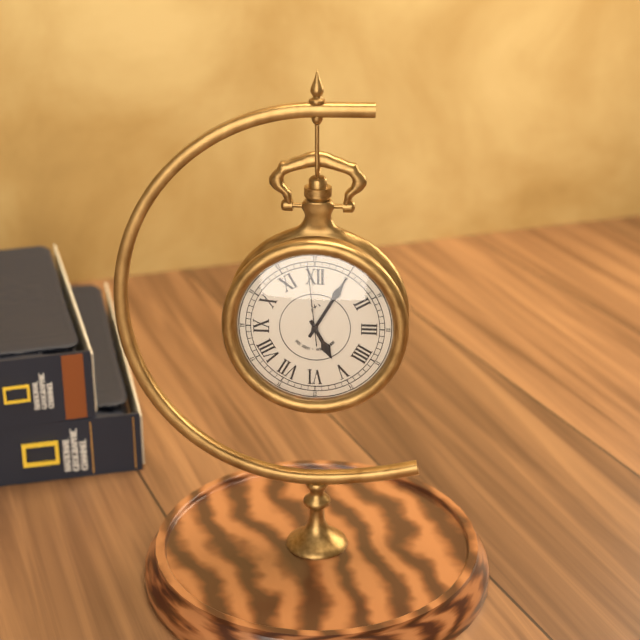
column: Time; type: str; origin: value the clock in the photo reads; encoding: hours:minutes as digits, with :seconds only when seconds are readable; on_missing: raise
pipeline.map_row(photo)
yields 5:05:59
